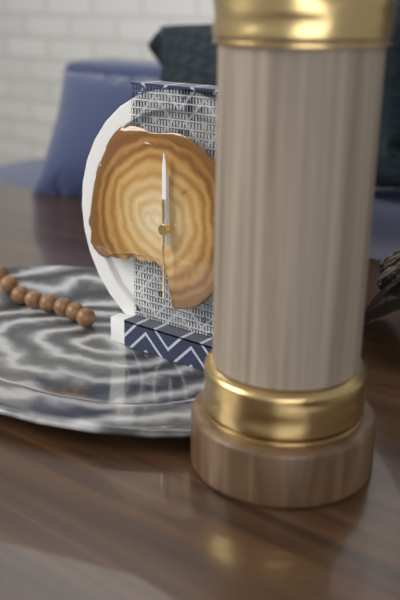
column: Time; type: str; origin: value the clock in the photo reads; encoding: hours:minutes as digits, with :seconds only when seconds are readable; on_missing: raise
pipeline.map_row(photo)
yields 12:00:30
